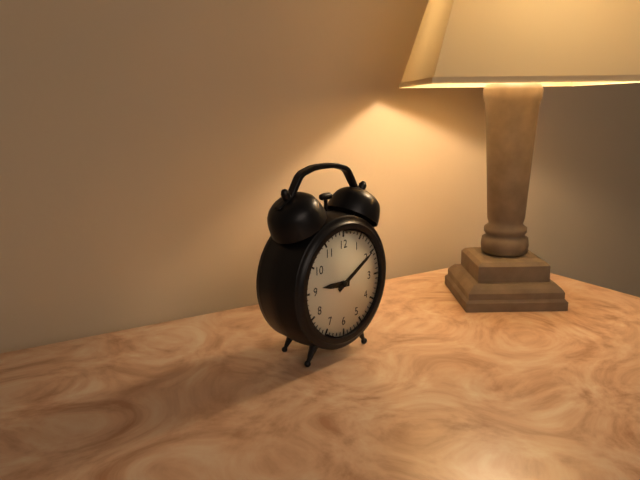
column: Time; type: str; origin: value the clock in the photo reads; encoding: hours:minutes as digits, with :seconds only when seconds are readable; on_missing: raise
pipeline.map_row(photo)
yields 9:10
